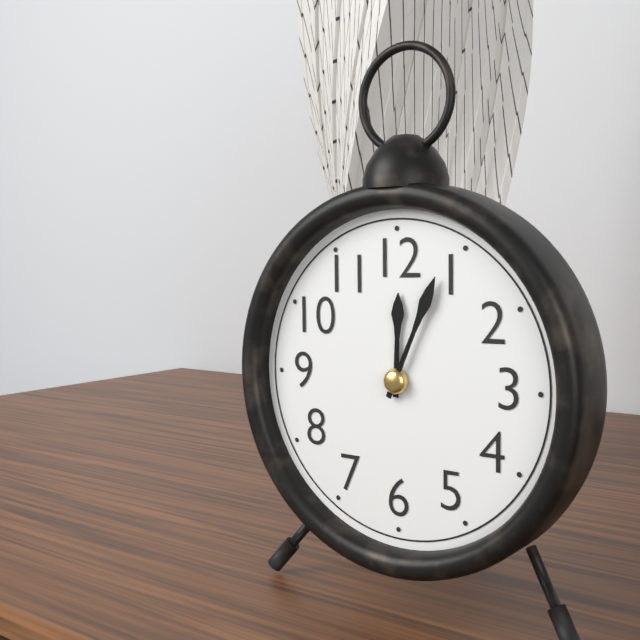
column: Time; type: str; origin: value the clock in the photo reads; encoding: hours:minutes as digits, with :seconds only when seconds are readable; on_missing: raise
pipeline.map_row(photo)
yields 12:04
